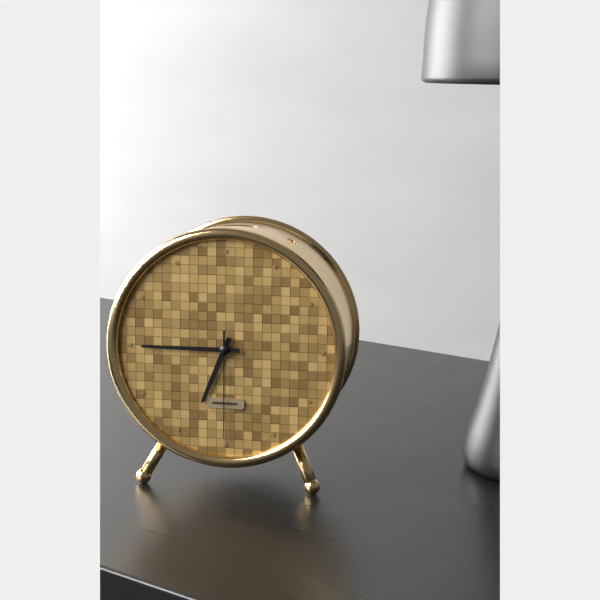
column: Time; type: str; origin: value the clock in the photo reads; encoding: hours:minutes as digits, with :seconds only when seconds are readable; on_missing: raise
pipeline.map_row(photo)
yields 6:45:30
